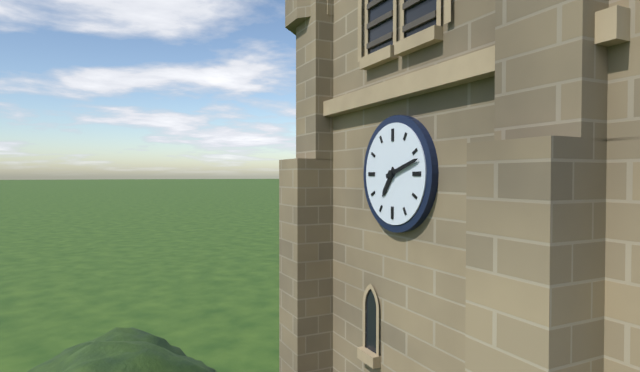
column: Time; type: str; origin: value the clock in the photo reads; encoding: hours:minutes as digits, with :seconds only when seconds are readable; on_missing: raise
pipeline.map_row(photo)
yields 7:12
